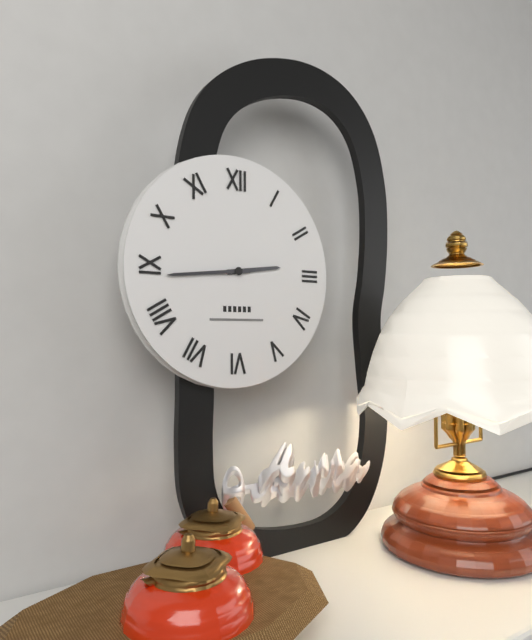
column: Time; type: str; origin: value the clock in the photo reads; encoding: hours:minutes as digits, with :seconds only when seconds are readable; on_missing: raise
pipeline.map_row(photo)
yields 2:44
